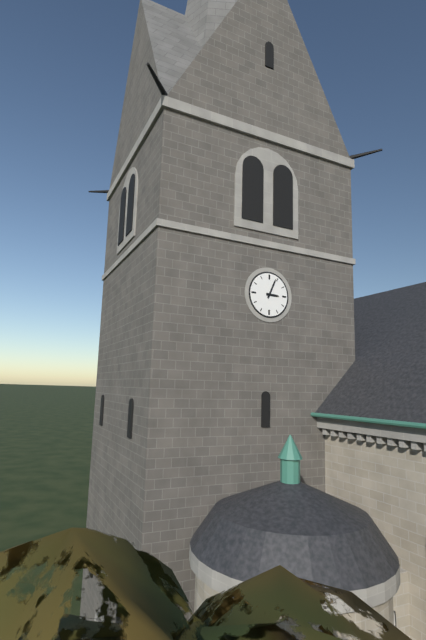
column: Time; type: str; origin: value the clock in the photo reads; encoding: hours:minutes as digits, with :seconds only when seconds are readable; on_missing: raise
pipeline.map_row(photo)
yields 3:04
